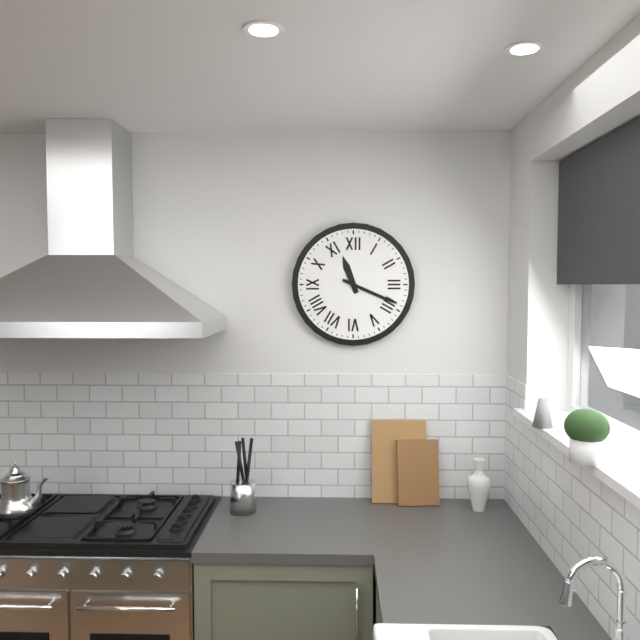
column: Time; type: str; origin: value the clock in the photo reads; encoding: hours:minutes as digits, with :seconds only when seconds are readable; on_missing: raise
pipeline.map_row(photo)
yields 11:19
